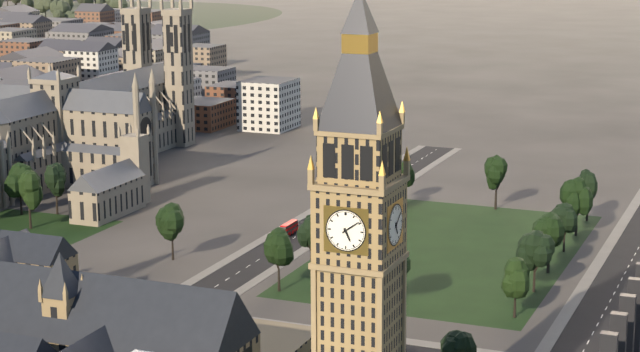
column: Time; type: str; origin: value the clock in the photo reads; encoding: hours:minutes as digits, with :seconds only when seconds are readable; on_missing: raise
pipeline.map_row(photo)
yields 5:09
